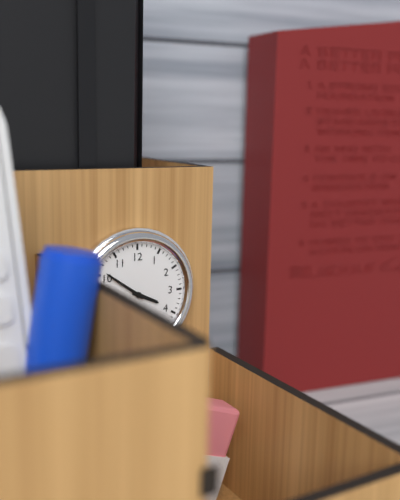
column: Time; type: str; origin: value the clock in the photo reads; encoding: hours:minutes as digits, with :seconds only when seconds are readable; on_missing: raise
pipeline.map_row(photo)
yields 3:51
